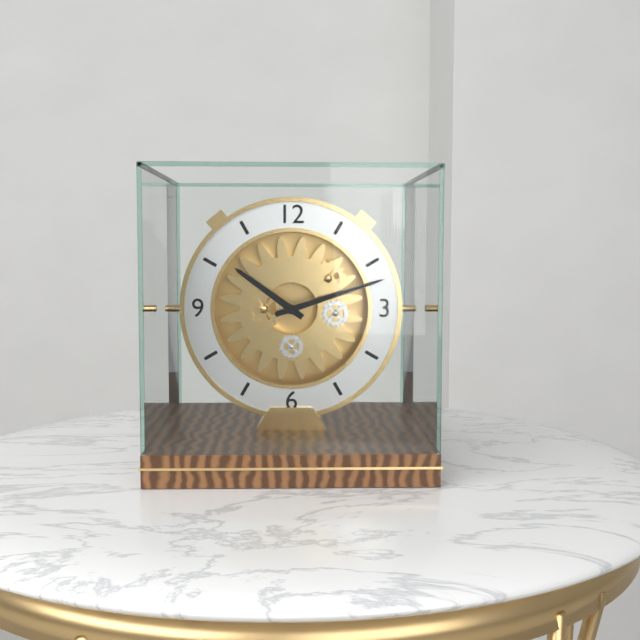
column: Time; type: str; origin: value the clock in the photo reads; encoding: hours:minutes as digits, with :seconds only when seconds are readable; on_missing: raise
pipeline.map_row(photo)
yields 10:12
